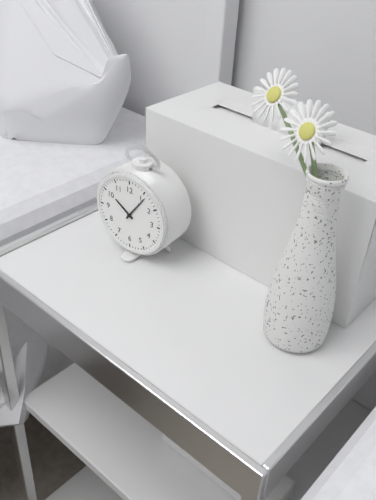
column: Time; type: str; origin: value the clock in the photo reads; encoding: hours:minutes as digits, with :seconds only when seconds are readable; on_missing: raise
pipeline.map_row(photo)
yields 10:06
